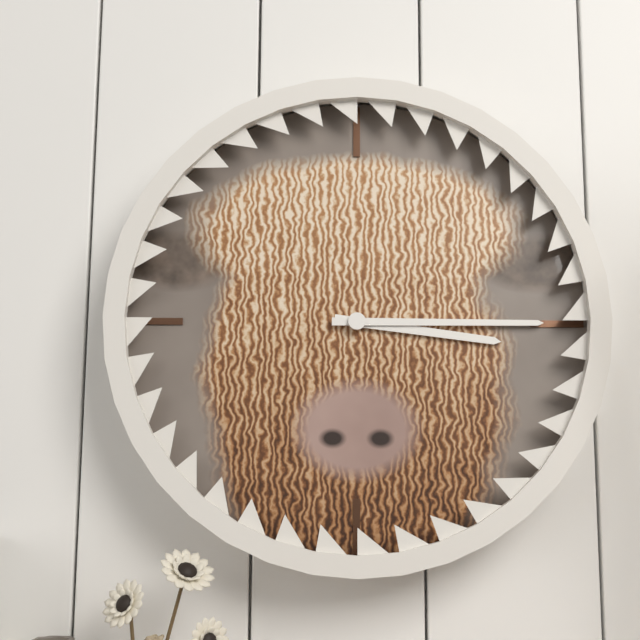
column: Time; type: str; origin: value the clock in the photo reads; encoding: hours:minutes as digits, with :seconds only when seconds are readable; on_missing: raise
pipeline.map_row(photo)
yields 3:15
